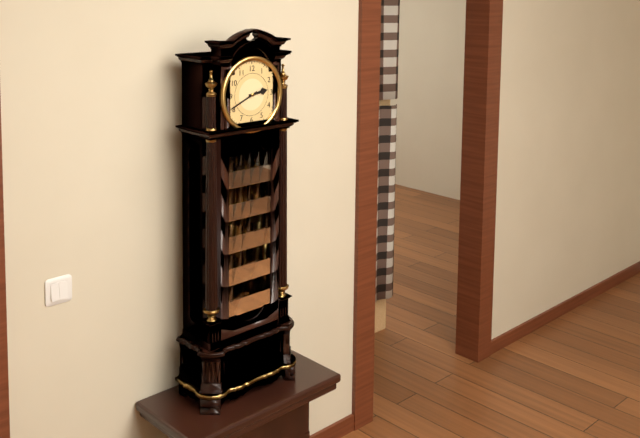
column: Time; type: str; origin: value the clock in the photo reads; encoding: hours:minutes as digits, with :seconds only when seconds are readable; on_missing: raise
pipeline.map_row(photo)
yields 2:41
